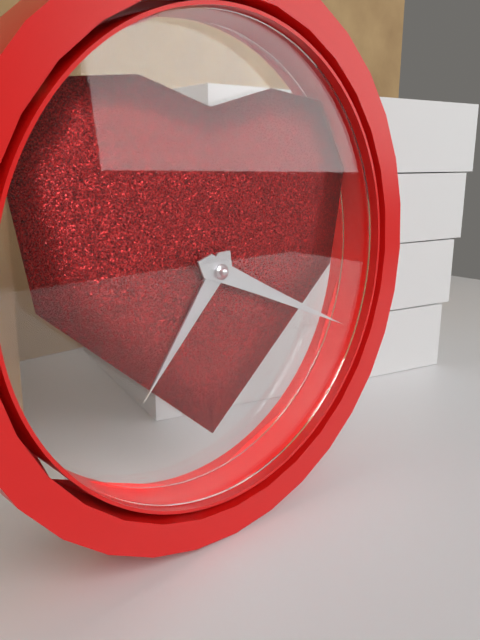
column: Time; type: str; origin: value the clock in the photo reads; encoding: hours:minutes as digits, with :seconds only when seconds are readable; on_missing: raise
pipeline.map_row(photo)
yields 7:19
